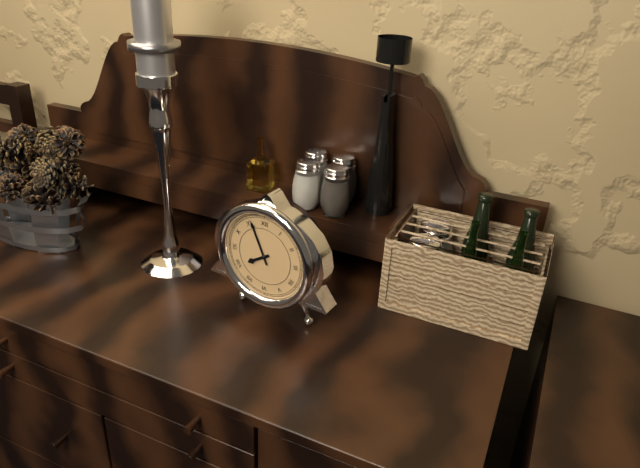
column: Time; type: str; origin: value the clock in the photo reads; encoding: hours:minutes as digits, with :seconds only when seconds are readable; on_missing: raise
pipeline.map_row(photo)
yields 7:56
